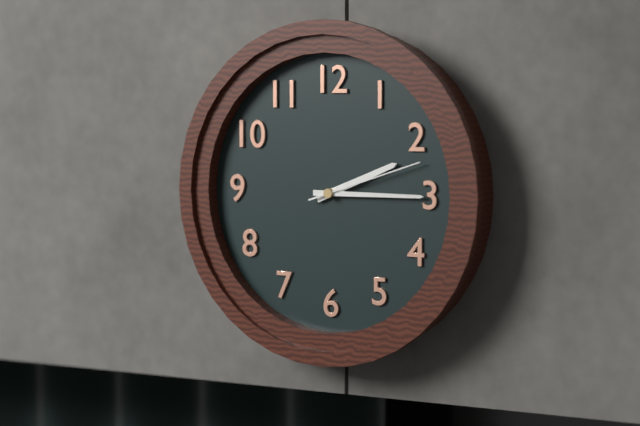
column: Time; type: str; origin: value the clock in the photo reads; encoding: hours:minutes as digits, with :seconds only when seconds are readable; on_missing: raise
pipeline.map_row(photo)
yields 2:15:12
